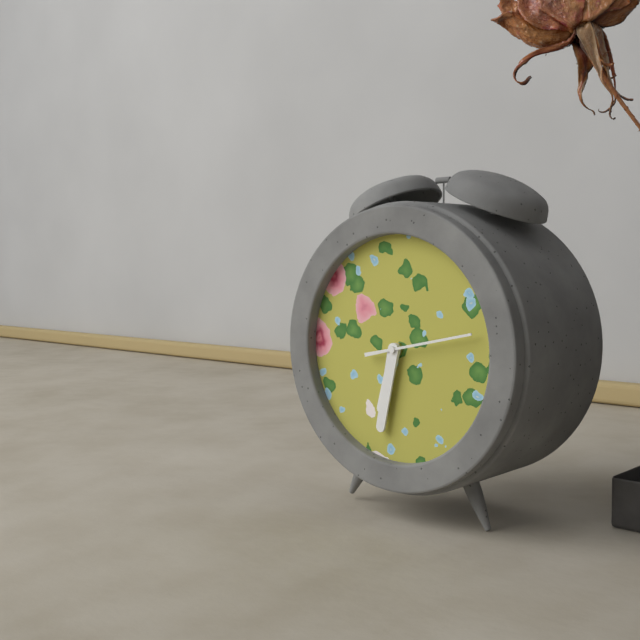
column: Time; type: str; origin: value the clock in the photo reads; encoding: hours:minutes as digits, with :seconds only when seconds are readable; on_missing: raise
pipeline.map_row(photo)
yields 6:32:13
